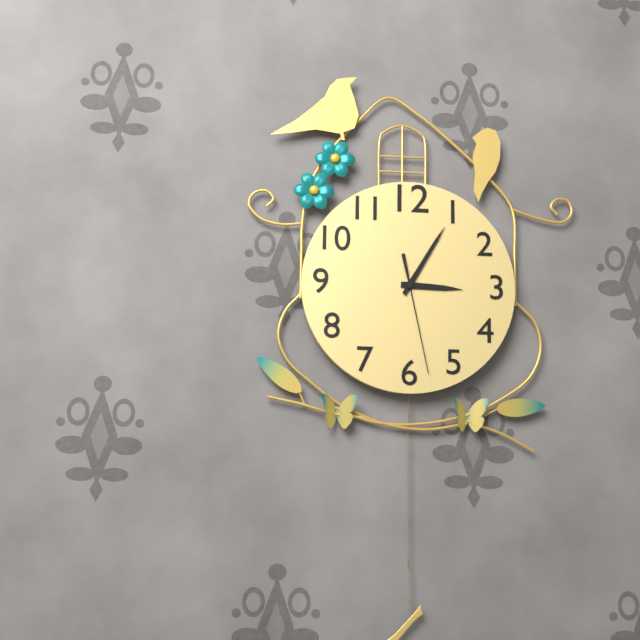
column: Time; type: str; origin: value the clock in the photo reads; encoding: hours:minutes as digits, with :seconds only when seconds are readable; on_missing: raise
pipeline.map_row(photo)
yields 3:05:28
